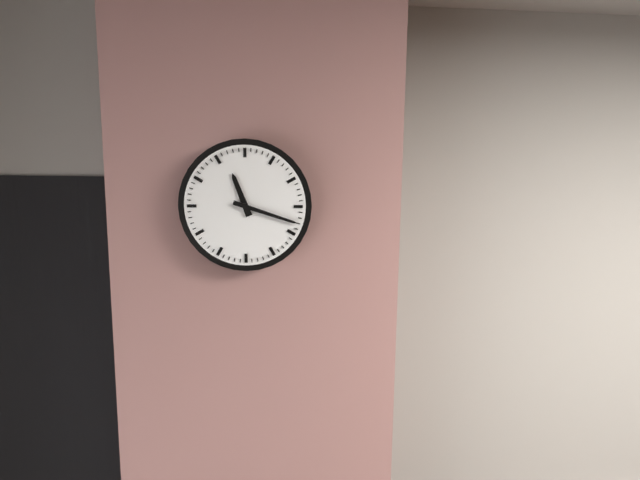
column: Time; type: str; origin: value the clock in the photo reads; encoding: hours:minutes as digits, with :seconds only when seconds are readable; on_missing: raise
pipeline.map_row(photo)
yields 11:18
